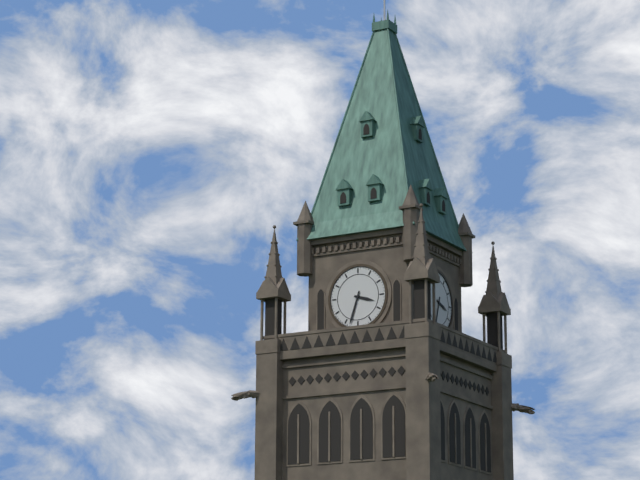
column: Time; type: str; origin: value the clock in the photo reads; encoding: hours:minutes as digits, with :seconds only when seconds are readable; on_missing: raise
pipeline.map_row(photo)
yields 3:33
